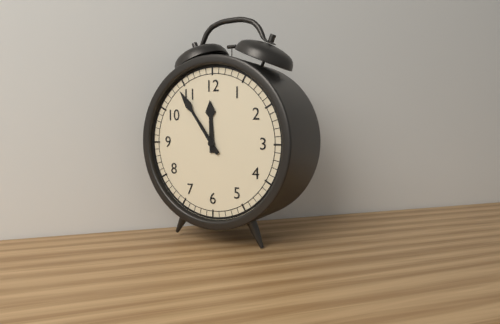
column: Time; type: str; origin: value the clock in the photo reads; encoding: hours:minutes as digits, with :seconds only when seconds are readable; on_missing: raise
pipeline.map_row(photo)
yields 11:54
